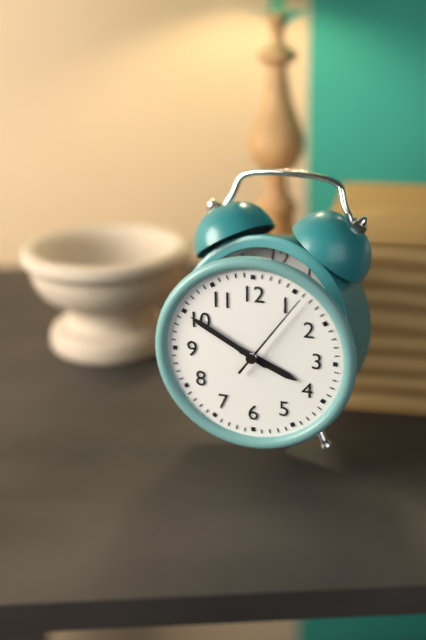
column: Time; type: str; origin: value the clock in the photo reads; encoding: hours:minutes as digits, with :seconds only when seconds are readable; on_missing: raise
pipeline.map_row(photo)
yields 3:50:06
